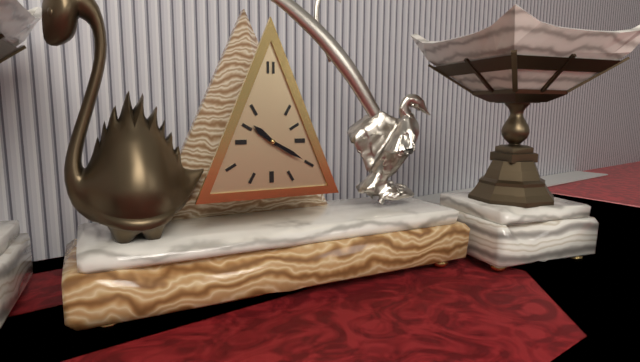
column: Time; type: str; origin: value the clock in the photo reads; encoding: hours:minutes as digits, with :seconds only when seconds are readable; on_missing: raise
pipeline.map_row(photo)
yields 10:20
